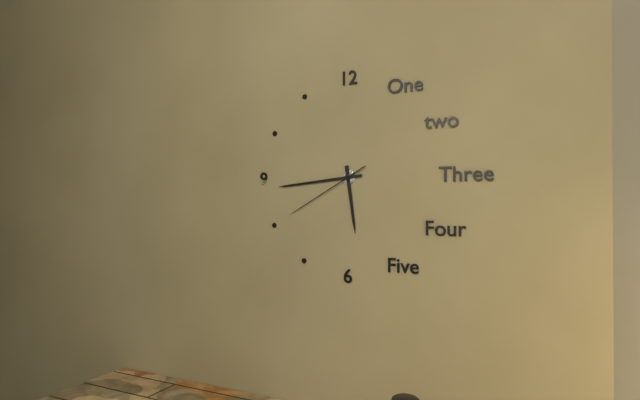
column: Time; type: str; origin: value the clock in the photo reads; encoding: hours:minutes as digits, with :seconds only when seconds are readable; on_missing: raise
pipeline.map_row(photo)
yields 5:44:40
